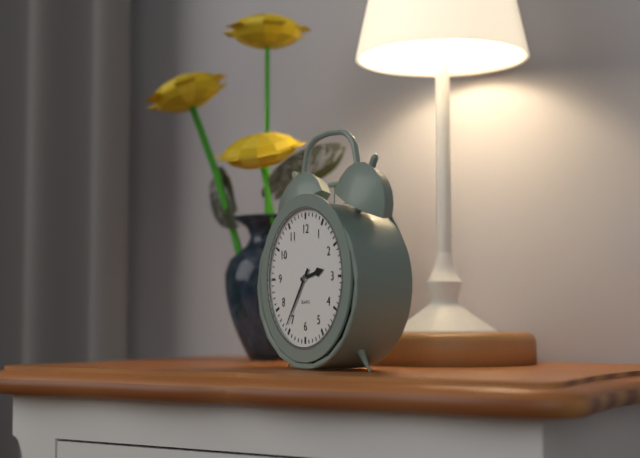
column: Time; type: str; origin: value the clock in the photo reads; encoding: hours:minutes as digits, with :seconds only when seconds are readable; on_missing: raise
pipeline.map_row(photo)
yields 2:36
